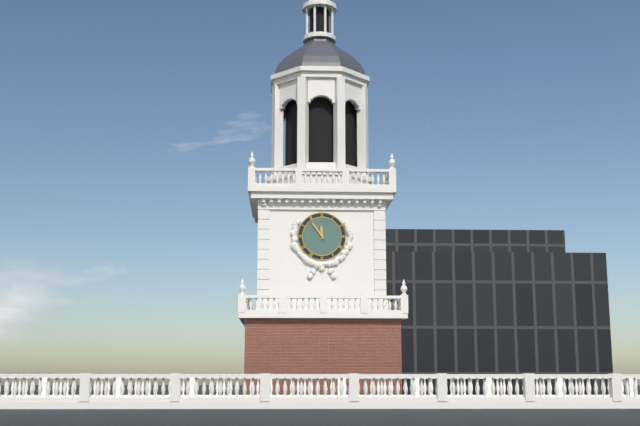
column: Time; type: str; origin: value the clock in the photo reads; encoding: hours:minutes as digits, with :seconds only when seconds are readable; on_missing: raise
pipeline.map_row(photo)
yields 11:54
